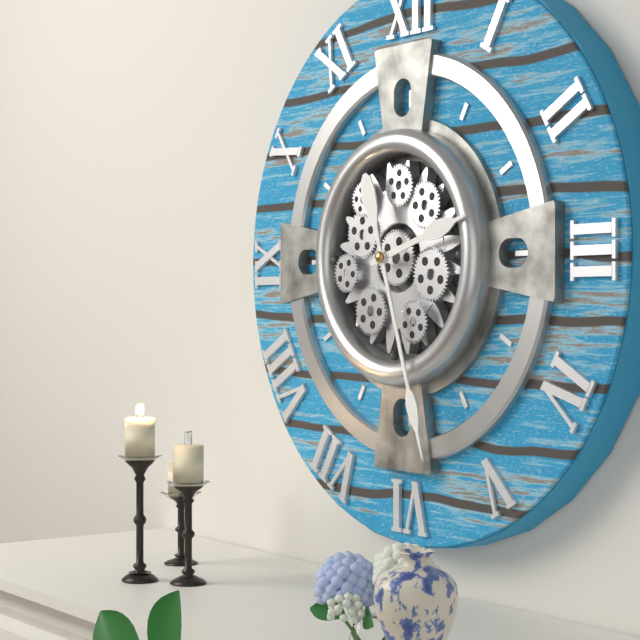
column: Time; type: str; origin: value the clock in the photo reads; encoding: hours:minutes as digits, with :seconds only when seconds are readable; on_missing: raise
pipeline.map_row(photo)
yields 2:27
